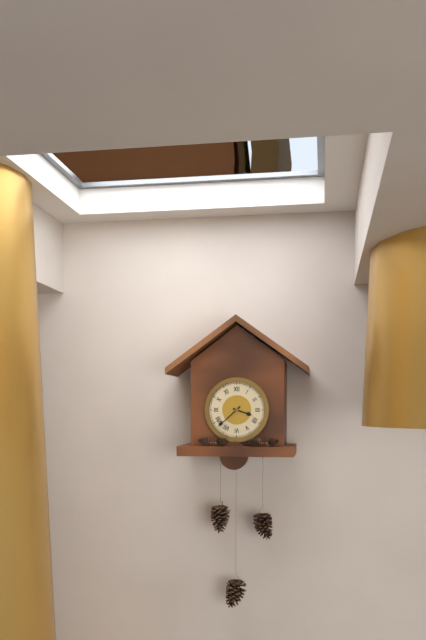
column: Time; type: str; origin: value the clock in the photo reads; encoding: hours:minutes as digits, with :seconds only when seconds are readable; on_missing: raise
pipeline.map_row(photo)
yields 3:38
